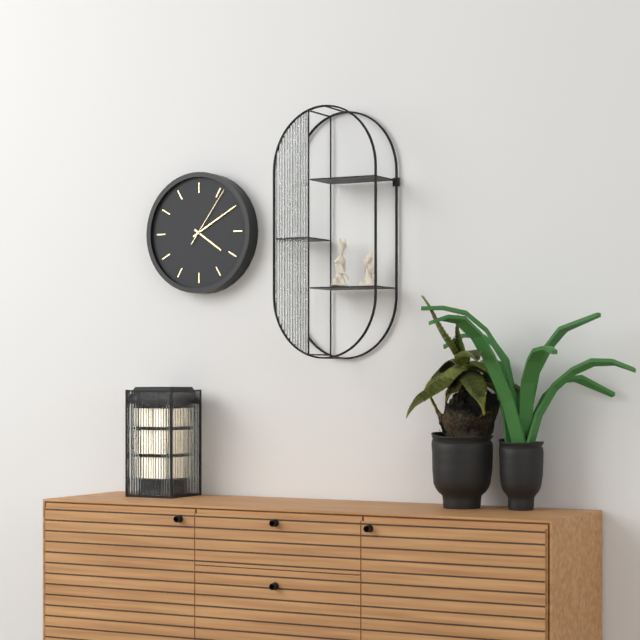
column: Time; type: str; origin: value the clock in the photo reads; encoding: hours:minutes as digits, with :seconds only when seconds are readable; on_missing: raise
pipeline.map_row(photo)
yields 4:10:06
